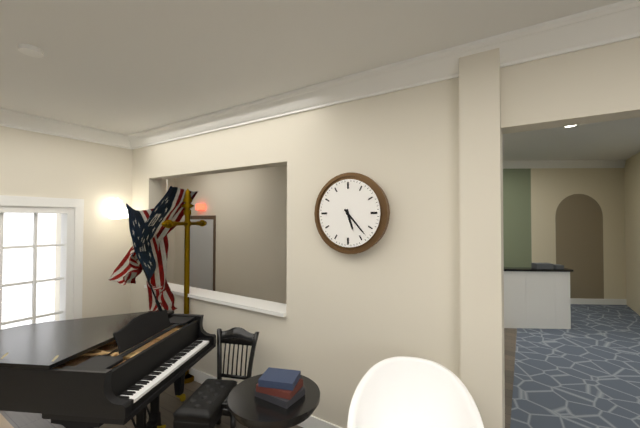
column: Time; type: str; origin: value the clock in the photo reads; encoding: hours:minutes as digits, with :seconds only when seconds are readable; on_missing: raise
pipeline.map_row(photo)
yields 5:23
